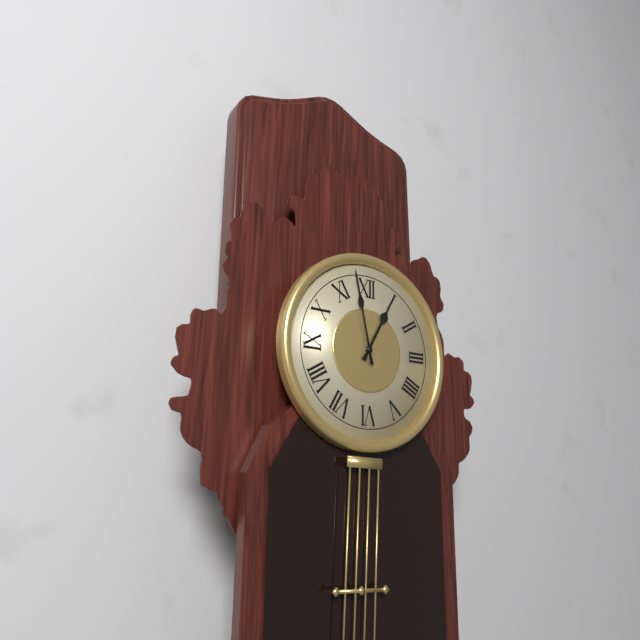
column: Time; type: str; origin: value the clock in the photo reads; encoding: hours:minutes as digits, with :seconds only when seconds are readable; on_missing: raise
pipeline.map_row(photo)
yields 12:58
